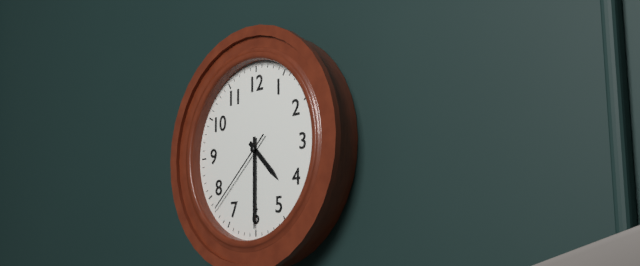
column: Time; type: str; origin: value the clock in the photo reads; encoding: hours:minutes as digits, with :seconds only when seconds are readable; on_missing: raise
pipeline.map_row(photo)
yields 4:30:38
